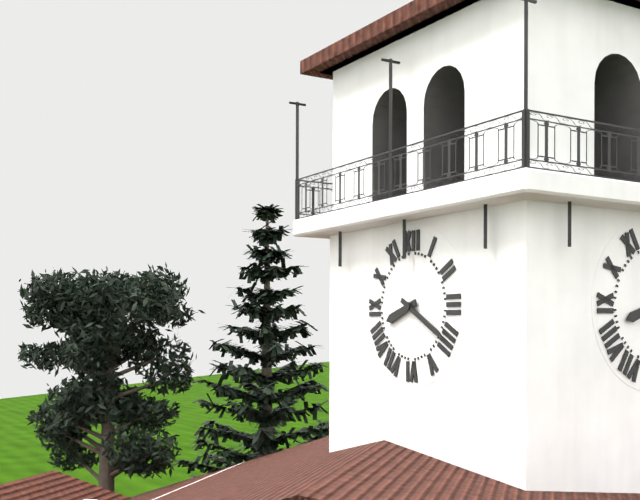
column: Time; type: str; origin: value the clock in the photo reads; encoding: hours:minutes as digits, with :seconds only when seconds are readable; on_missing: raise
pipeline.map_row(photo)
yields 8:20
